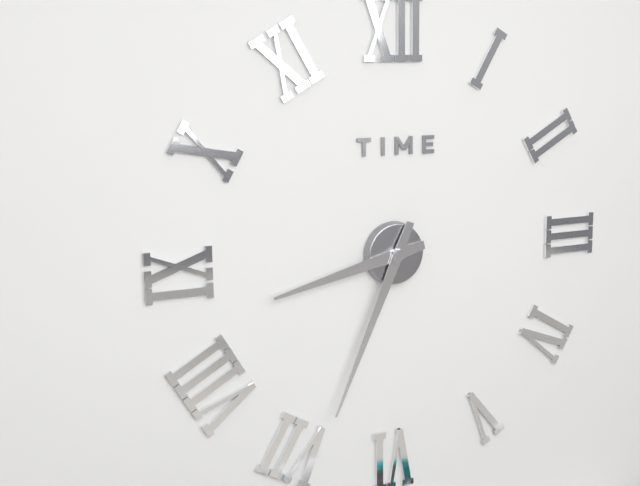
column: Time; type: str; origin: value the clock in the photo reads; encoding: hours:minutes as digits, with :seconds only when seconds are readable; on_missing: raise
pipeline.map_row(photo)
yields 8:34
